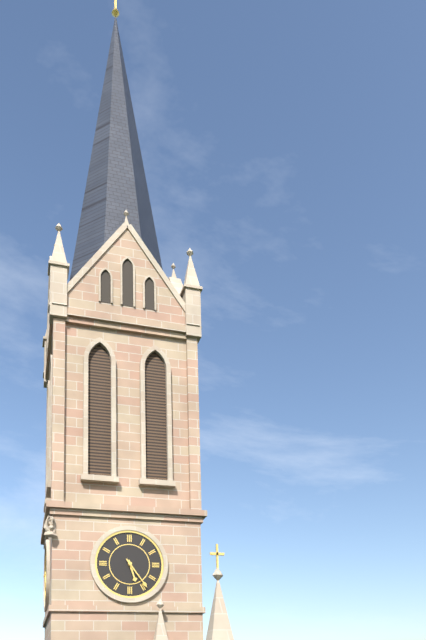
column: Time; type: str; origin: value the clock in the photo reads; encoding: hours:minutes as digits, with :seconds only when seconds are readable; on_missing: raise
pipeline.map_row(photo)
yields 5:24
